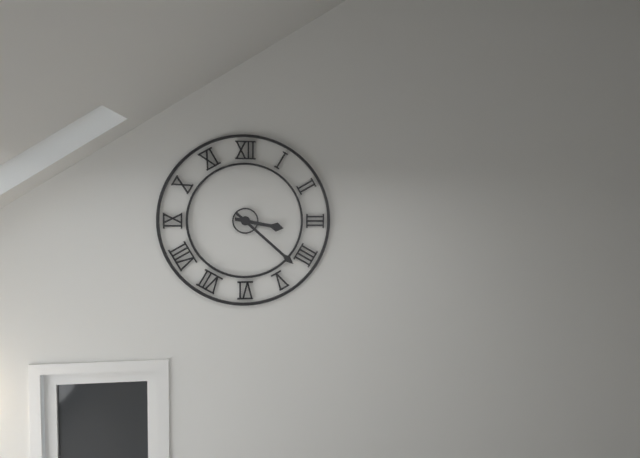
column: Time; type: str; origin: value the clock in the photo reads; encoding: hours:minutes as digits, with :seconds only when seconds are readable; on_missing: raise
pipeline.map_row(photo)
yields 3:22
